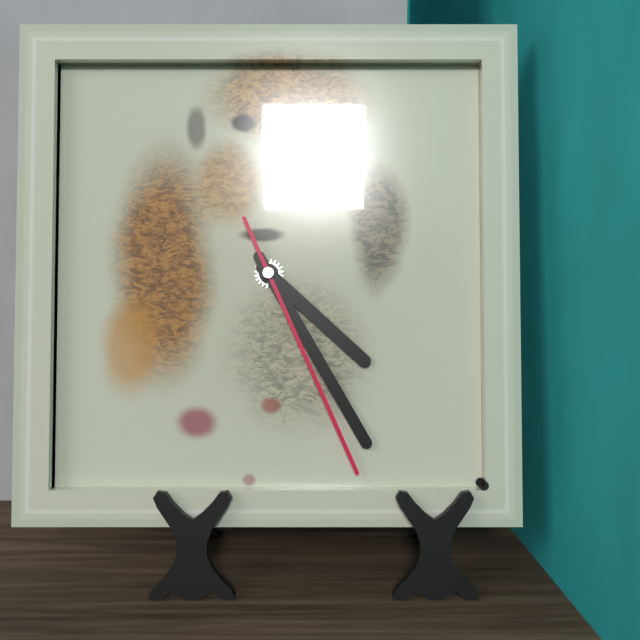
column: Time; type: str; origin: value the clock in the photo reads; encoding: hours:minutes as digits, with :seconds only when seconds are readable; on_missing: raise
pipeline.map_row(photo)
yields 4:25:26
